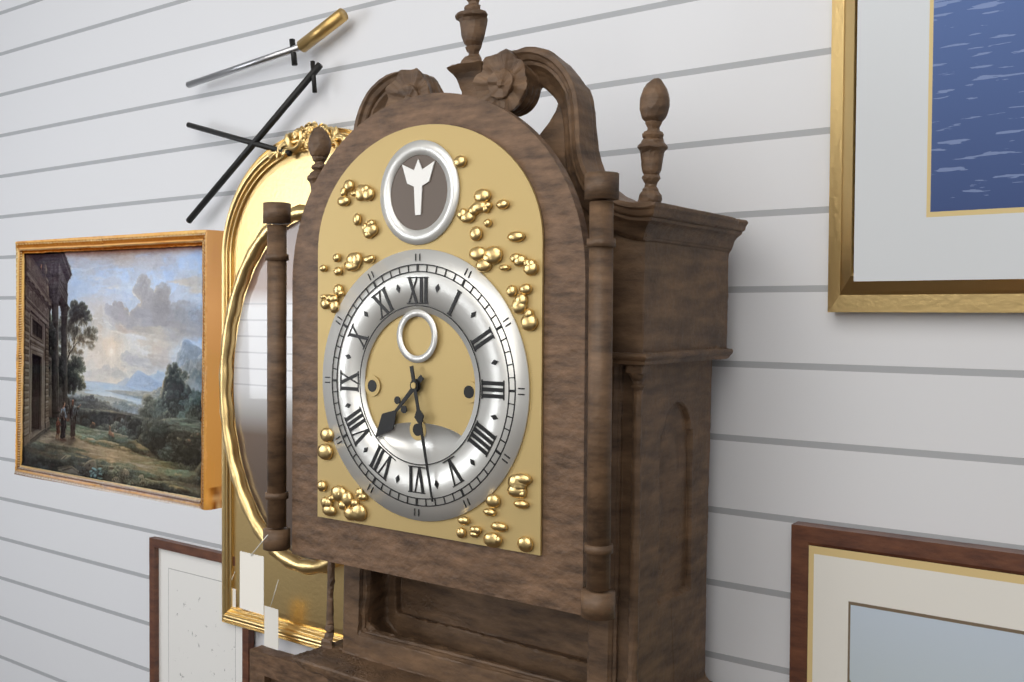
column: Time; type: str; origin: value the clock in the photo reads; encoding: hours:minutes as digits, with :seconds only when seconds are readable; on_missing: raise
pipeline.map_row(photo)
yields 7:28
